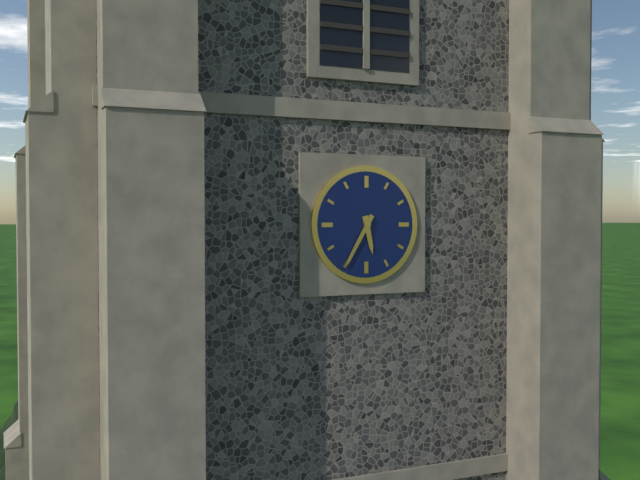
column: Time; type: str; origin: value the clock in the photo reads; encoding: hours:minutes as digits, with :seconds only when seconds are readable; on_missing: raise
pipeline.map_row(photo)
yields 5:35
